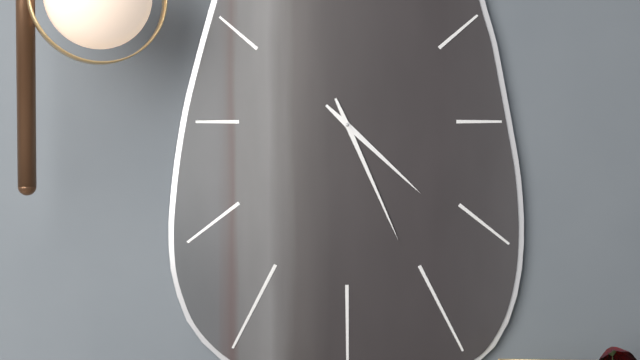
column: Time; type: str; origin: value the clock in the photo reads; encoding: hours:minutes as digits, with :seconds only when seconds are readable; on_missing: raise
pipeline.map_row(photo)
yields 4:26
